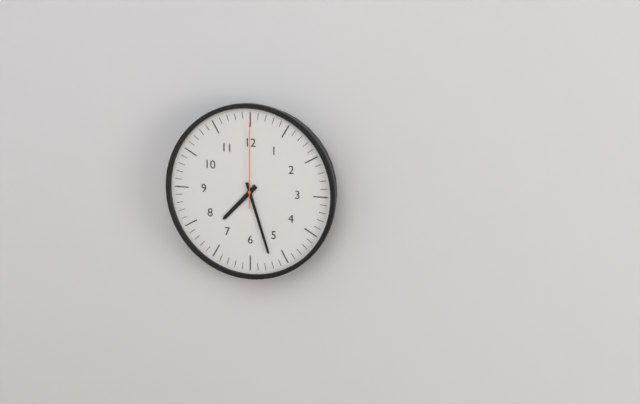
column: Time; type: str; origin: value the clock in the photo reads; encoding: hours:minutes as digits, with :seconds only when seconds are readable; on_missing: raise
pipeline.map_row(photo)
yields 7:27:00
